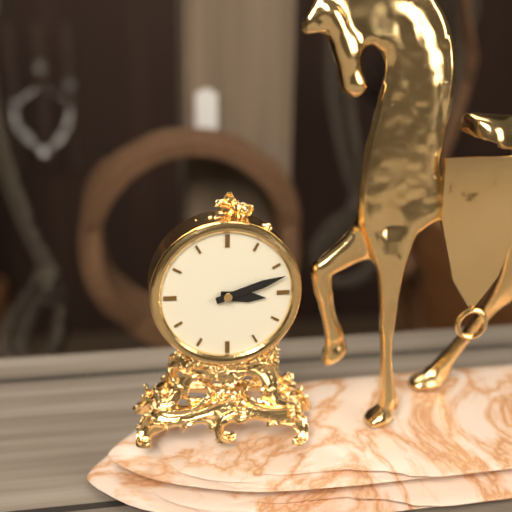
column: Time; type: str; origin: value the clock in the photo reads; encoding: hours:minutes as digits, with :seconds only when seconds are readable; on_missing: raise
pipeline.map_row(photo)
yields 3:12
